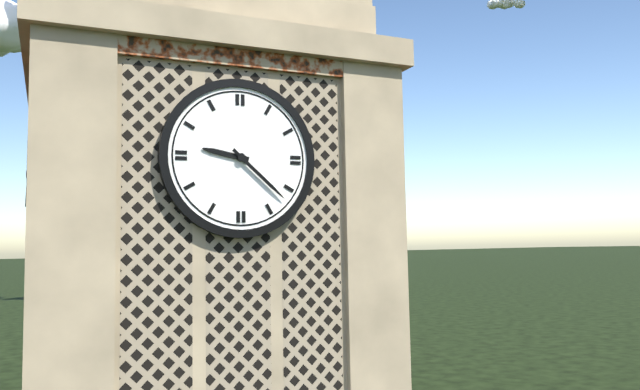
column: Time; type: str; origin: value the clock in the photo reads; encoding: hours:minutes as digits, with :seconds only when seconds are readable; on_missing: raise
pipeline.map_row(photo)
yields 9:22
